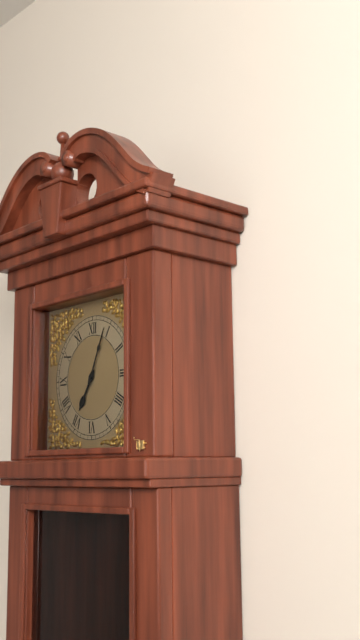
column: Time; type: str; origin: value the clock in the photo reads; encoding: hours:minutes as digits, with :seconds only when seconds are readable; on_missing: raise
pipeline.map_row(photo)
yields 7:04
